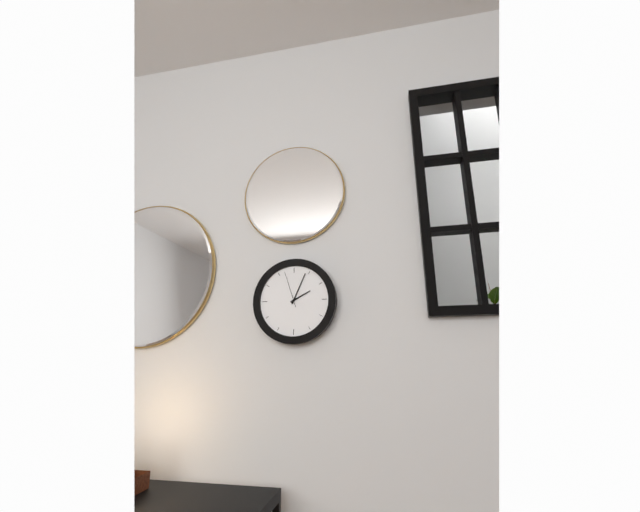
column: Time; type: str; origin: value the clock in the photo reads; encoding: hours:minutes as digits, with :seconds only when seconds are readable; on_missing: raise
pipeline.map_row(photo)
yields 2:04
